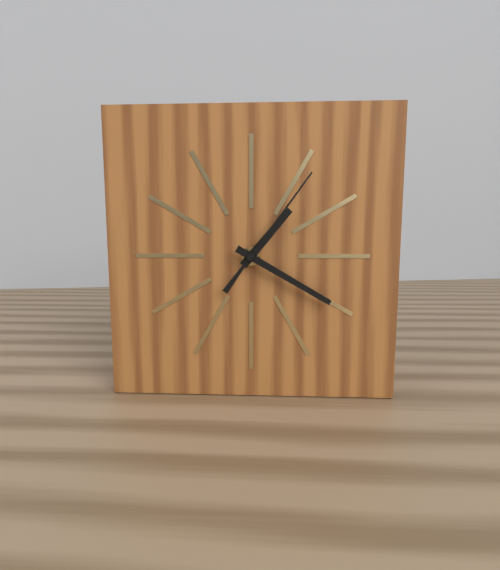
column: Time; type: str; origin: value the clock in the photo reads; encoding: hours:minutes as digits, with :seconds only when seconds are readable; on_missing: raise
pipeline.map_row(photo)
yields 1:20:06
